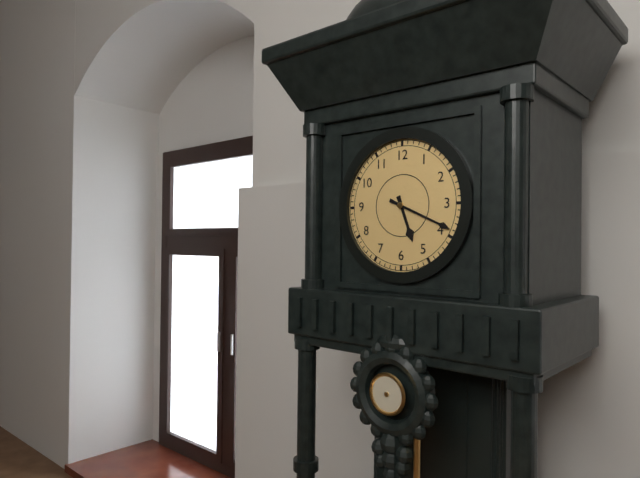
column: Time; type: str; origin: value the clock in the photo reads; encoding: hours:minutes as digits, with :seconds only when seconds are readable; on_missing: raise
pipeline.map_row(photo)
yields 5:19
